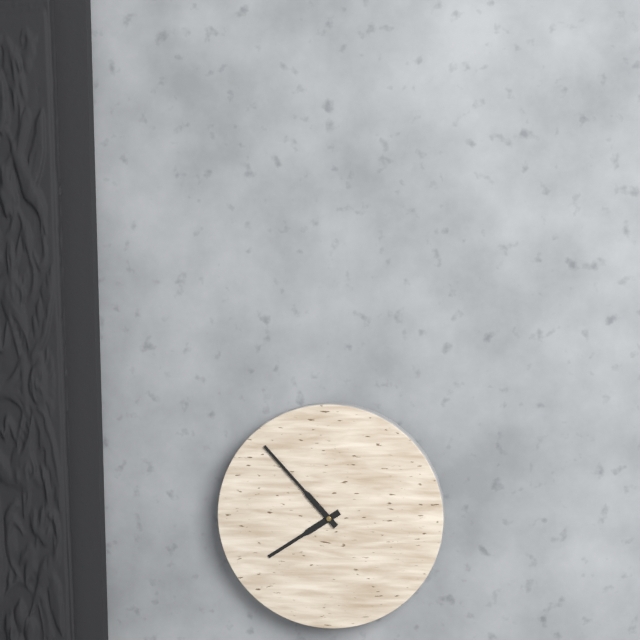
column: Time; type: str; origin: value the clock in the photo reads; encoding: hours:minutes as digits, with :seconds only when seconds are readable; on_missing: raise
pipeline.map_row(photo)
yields 7:53
